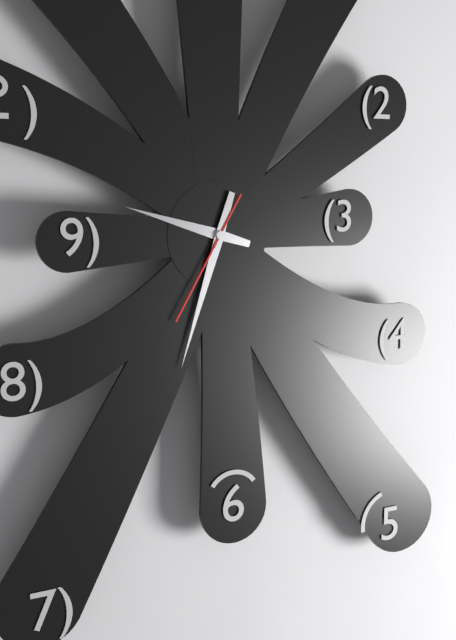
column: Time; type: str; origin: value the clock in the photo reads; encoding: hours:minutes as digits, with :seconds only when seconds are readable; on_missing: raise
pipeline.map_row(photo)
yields 9:33:35
